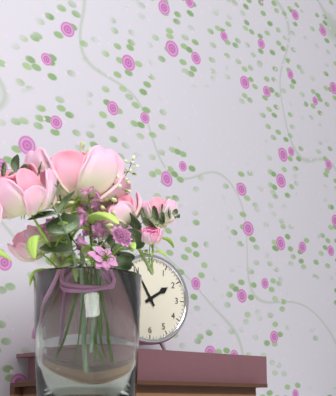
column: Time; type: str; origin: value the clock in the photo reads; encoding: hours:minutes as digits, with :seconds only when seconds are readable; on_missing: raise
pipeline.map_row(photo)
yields 1:55
